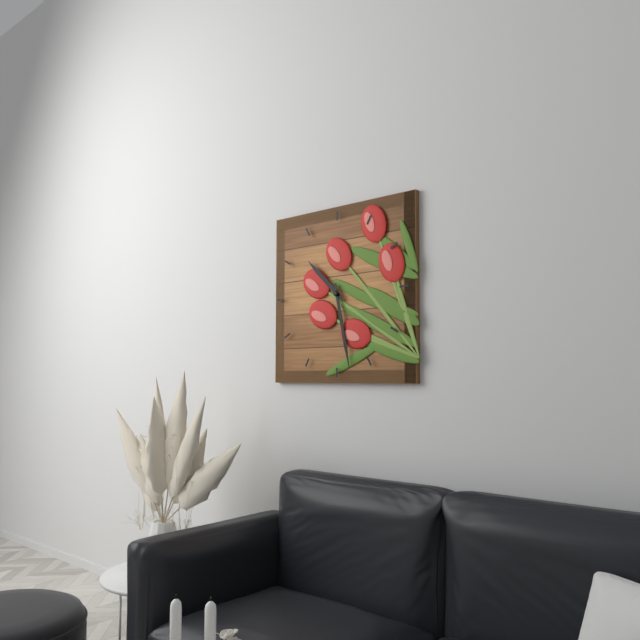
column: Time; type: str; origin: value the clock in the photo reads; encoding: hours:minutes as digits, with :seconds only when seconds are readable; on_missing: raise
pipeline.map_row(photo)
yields 10:28
